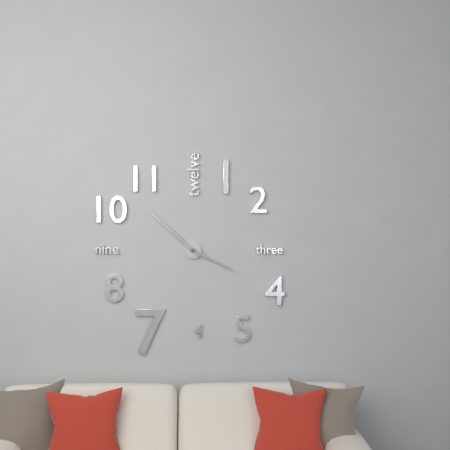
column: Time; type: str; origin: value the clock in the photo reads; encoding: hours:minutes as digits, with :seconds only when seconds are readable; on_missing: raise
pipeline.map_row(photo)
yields 3:52
